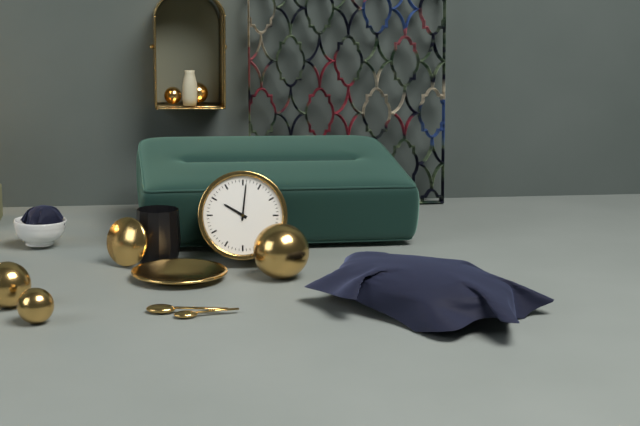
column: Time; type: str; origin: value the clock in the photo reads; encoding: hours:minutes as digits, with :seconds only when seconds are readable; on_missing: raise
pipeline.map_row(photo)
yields 10:01
